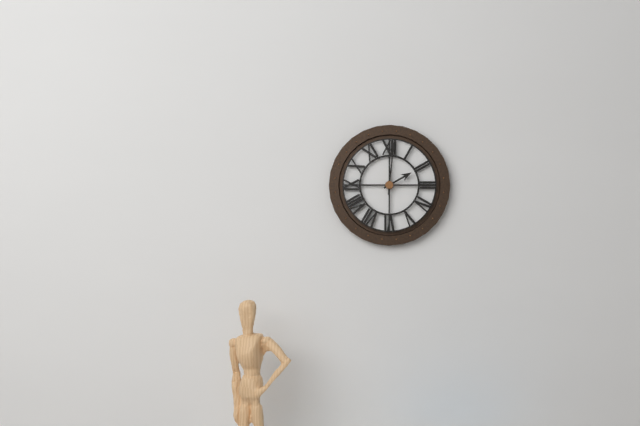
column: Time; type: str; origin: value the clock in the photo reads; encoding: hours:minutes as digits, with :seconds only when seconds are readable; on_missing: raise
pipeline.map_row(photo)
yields 2:01
